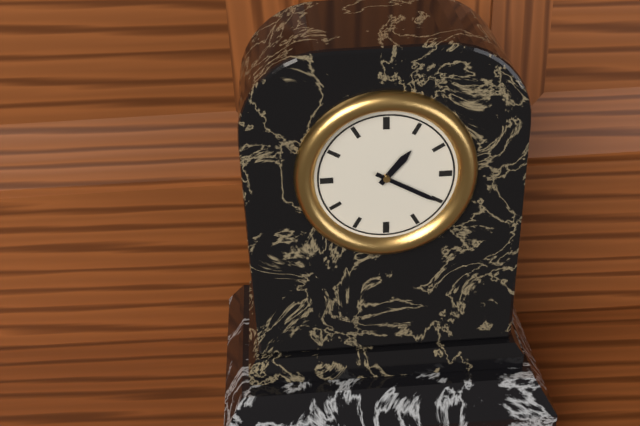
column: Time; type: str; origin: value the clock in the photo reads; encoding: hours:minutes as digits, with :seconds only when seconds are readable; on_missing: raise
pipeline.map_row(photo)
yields 1:20
